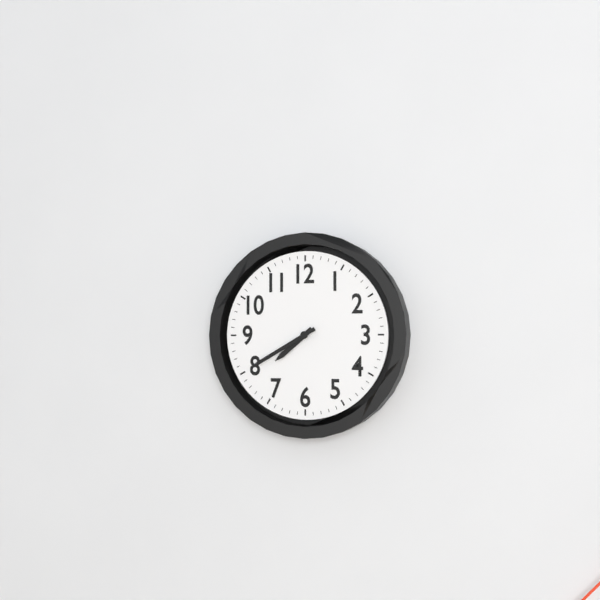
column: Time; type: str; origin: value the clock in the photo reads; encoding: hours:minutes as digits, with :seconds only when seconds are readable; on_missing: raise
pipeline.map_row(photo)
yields 7:40
